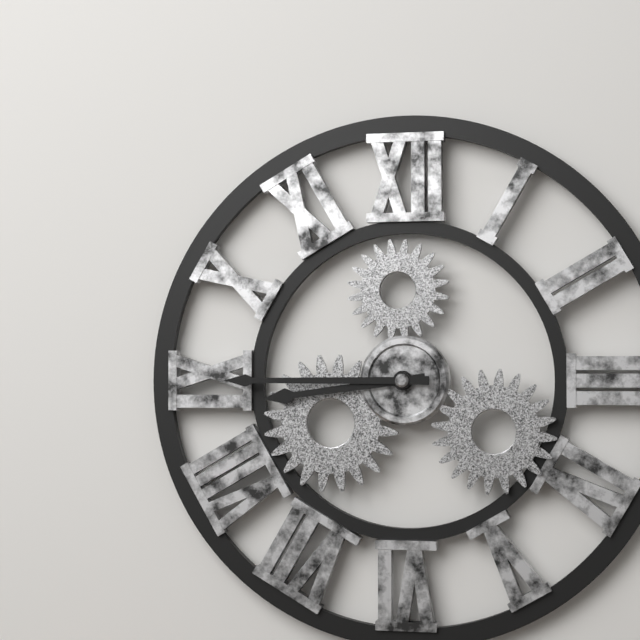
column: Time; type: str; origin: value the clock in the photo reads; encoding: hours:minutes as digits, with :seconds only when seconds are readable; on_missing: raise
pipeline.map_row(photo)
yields 8:45
